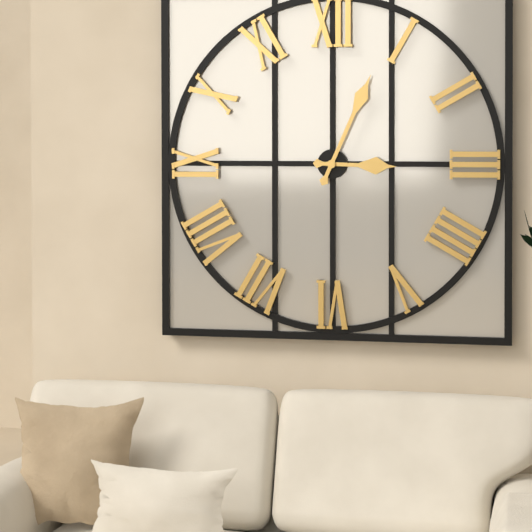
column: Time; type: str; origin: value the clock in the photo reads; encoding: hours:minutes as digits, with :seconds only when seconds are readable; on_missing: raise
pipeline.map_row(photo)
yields 3:04
